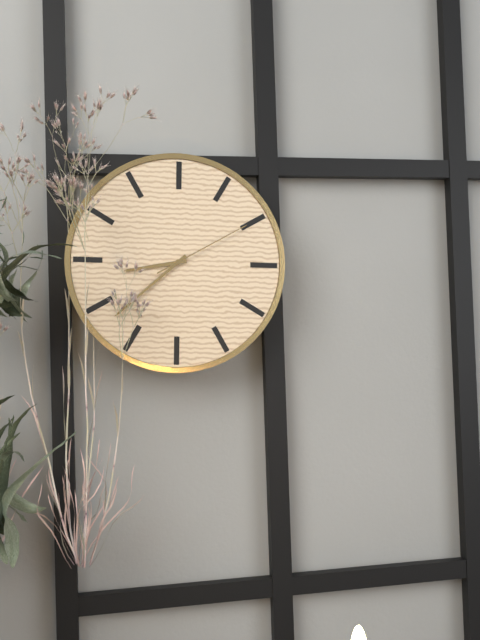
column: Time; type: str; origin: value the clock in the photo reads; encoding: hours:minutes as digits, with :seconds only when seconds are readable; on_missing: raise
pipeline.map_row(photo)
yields 8:38:10
